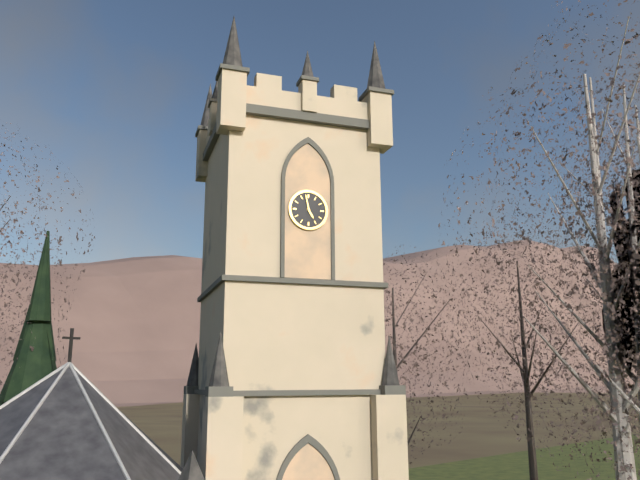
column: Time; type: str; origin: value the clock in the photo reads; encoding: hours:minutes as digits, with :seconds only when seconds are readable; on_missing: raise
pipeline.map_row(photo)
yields 4:58
